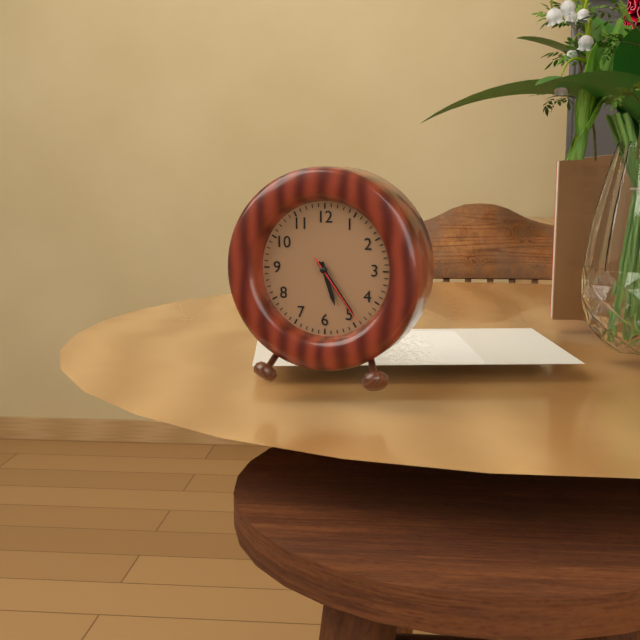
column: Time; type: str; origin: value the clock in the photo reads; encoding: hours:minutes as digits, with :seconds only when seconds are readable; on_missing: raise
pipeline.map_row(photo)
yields 5:24:24
